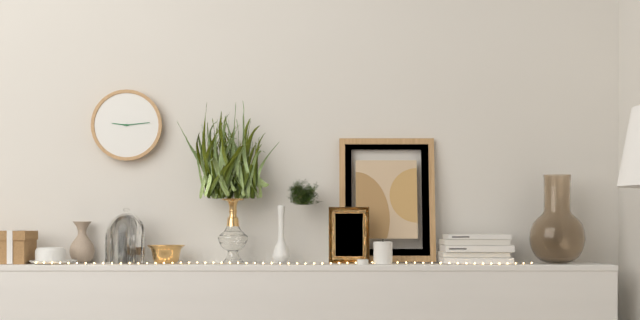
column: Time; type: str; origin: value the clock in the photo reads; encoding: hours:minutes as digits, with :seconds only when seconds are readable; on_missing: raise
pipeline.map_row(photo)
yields 9:14
